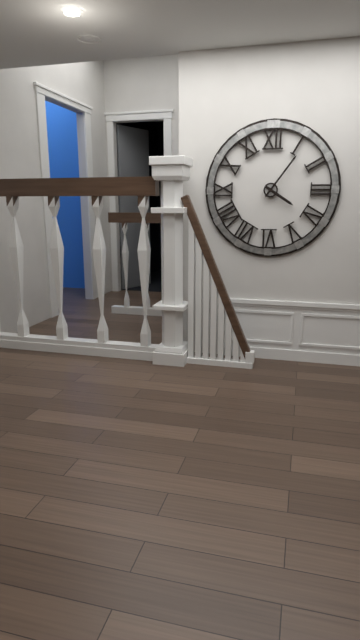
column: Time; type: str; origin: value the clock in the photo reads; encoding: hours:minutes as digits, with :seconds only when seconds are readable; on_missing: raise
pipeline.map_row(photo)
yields 4:06
